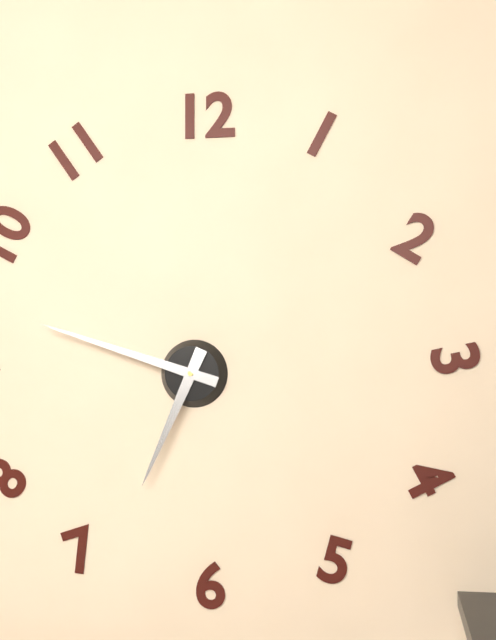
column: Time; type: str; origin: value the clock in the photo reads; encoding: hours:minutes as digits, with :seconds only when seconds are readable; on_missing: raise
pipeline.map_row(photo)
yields 6:48
